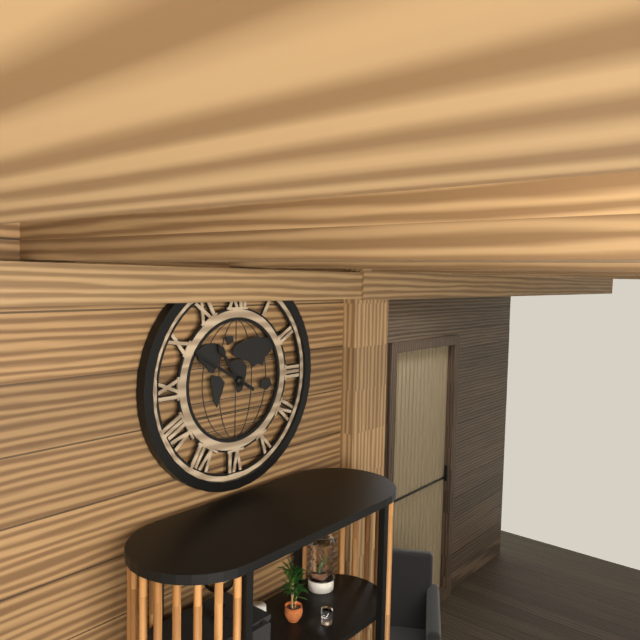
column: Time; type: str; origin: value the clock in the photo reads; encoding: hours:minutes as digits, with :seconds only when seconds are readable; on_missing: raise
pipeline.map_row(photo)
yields 10:50
